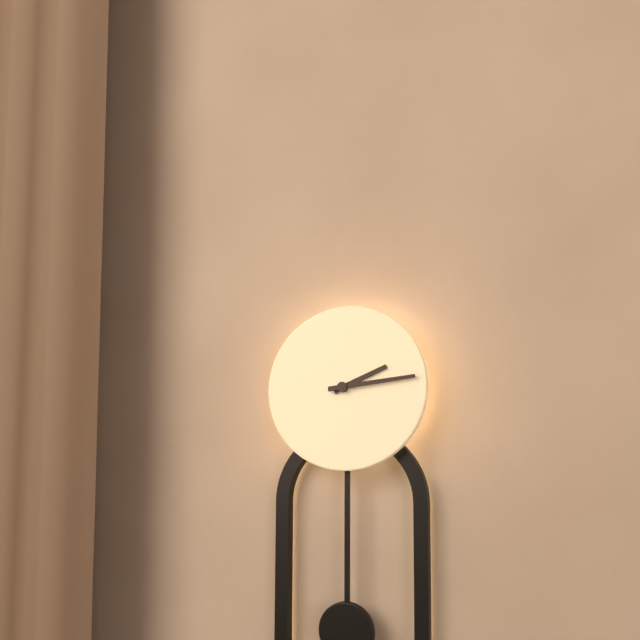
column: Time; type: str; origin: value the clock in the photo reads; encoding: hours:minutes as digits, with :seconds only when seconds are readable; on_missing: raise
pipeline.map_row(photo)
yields 2:14
